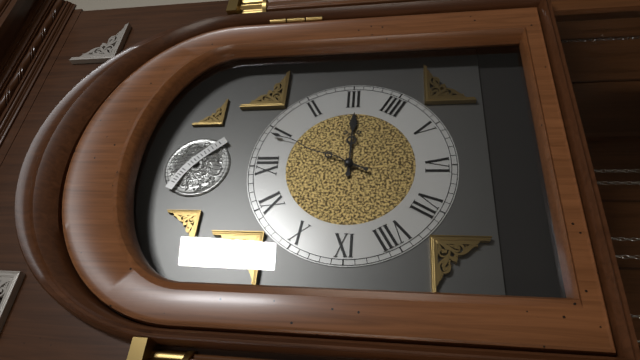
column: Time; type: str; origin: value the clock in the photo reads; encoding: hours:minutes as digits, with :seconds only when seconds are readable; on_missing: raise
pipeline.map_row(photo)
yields 3:04
